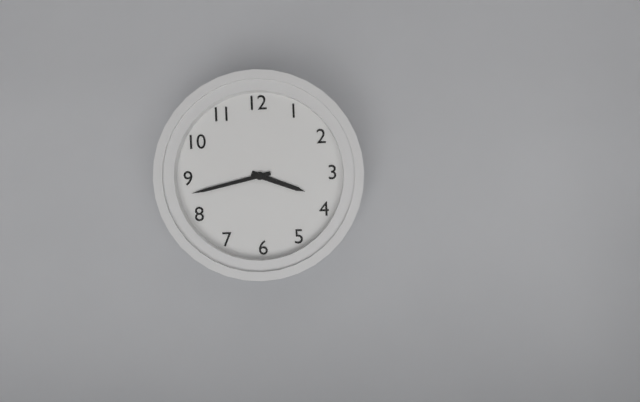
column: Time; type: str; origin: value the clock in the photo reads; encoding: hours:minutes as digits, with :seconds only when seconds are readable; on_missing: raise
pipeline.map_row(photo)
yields 3:43
